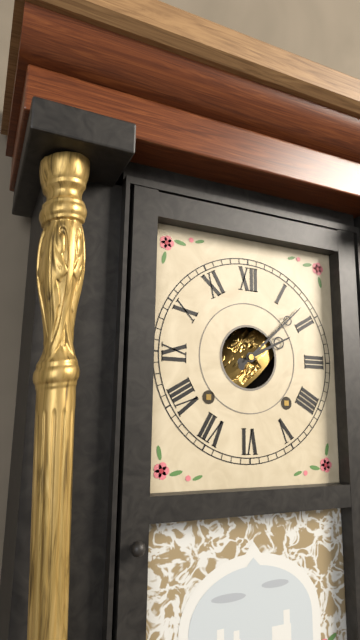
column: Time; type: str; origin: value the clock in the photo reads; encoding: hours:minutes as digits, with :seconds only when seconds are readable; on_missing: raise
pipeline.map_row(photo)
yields 2:08
